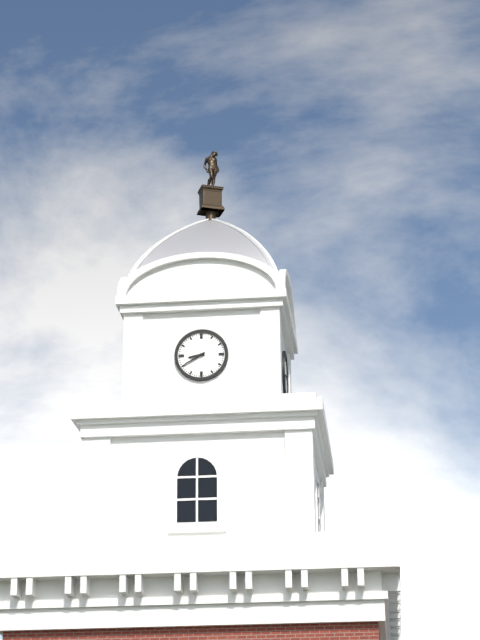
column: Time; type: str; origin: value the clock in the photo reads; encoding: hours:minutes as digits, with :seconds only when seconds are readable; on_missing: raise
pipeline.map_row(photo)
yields 8:40
